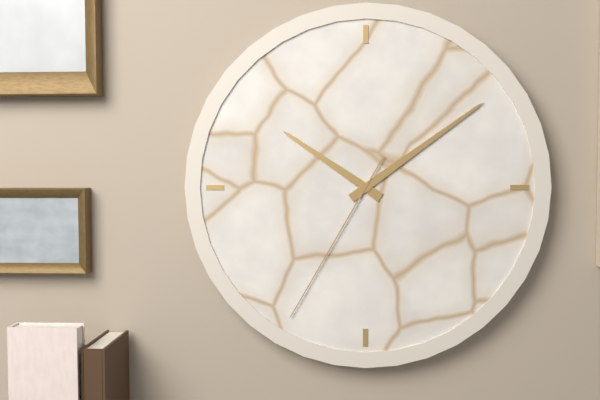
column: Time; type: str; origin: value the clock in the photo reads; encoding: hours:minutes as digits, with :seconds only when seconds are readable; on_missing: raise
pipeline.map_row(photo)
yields 10:09:35
